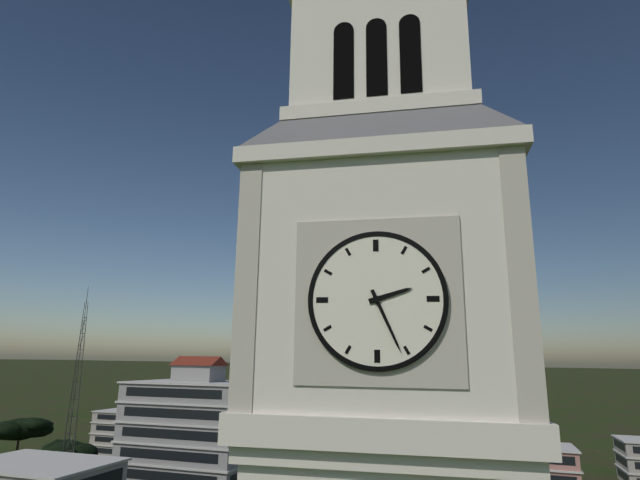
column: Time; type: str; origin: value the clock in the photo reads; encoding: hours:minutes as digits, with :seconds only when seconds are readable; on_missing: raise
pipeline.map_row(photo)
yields 2:26
